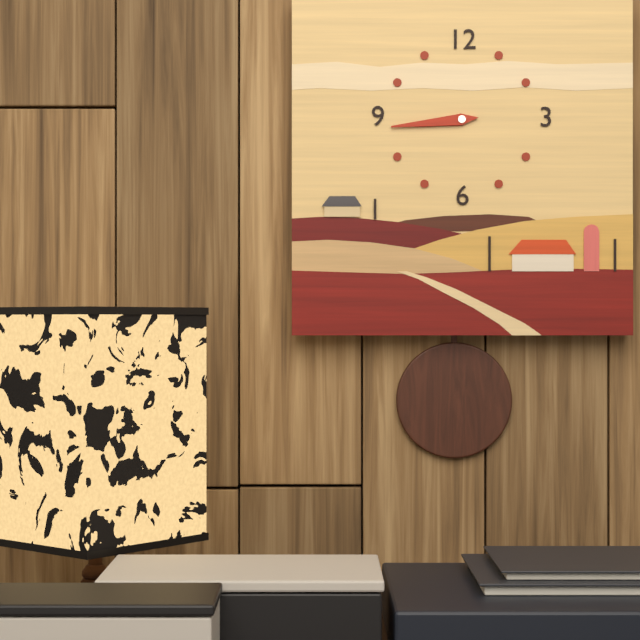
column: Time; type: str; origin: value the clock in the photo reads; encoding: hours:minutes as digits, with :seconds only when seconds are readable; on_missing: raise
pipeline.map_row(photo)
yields 8:44
